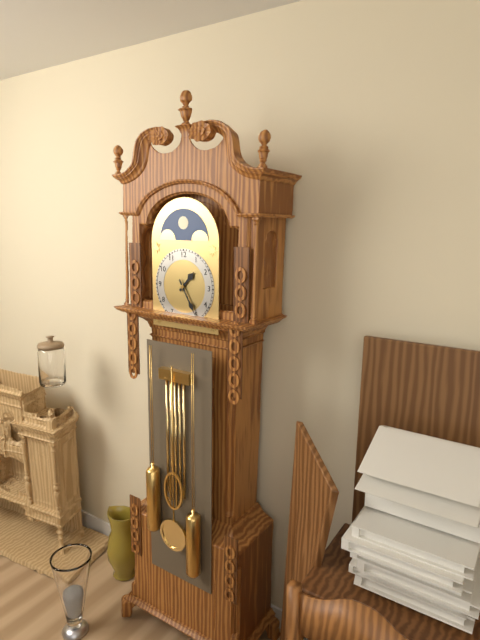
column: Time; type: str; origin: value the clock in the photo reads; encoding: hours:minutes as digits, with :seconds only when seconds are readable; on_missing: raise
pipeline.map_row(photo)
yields 1:25
